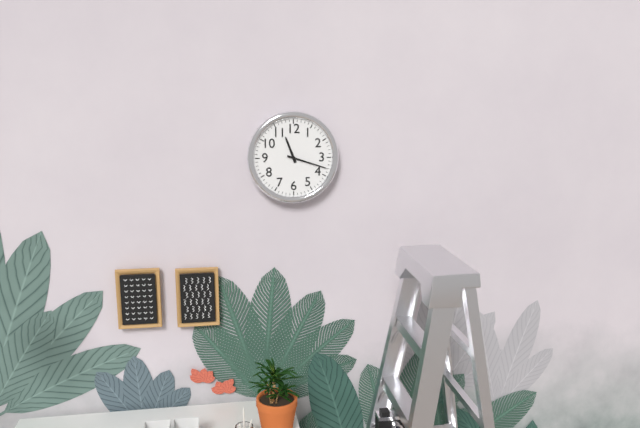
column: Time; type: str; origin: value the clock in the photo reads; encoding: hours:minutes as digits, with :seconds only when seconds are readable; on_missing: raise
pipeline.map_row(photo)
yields 11:18
